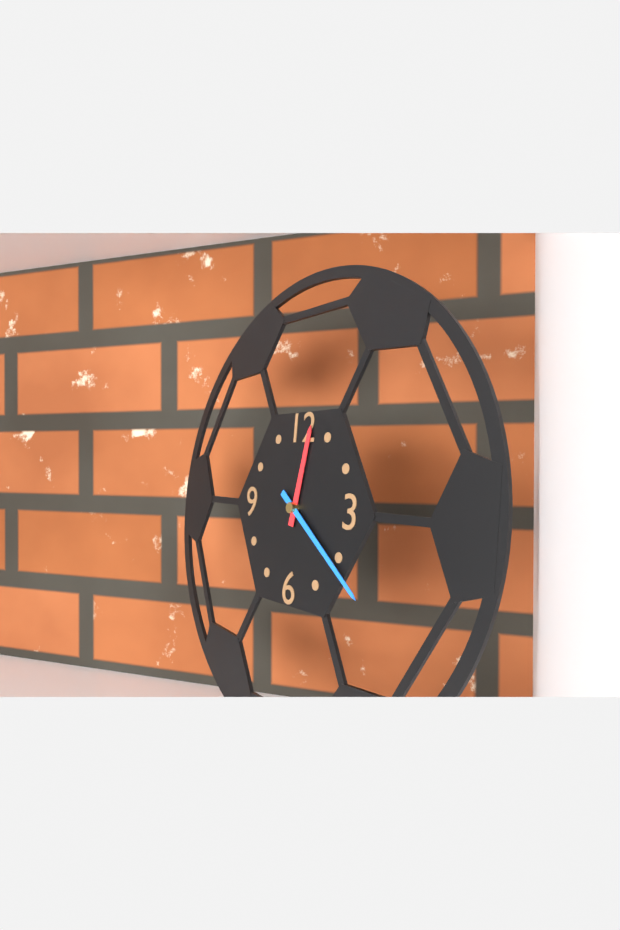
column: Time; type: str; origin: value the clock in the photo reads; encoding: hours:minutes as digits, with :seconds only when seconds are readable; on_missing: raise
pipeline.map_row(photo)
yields 12:21
